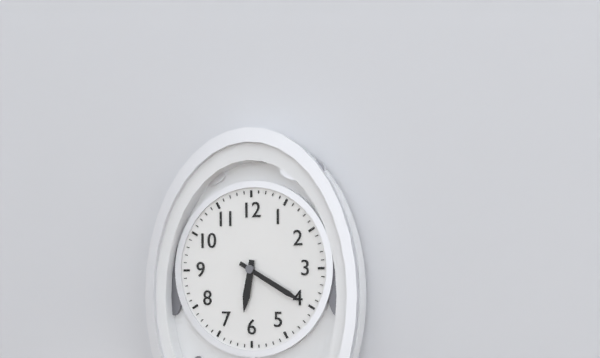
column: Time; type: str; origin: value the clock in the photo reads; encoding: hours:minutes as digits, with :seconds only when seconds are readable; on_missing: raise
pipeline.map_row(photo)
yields 6:20
